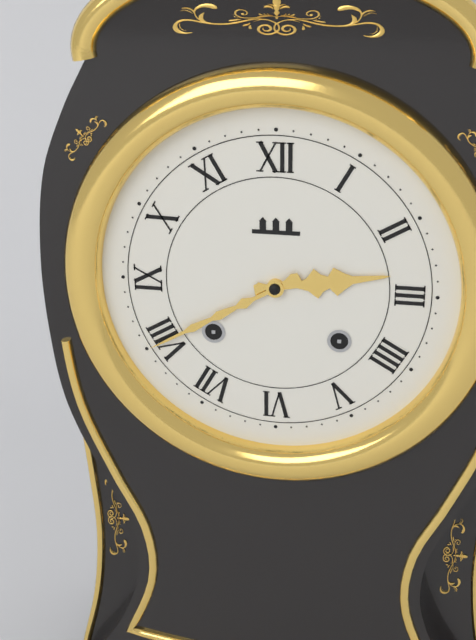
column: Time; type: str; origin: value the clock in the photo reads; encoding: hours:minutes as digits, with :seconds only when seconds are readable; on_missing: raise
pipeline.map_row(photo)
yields 2:40
